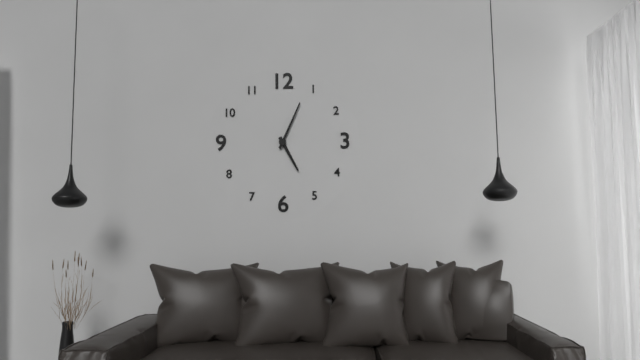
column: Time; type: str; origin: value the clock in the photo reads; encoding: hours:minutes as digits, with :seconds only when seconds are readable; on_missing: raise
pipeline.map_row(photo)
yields 5:04
